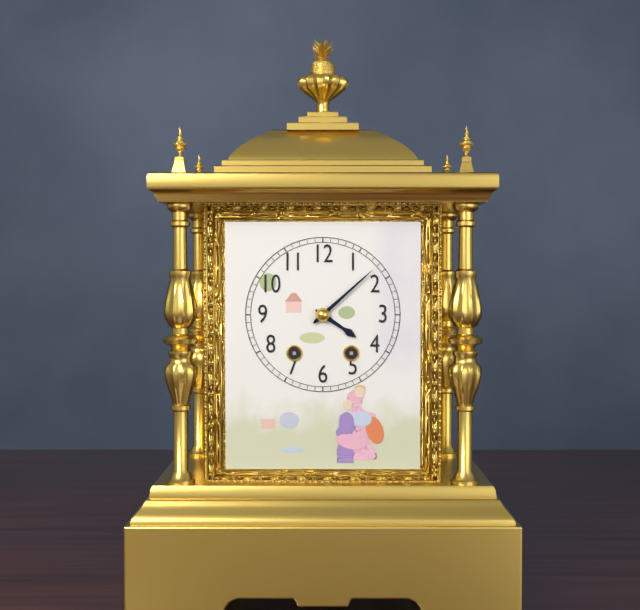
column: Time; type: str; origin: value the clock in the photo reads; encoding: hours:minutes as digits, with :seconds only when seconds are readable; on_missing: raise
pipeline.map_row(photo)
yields 4:08
